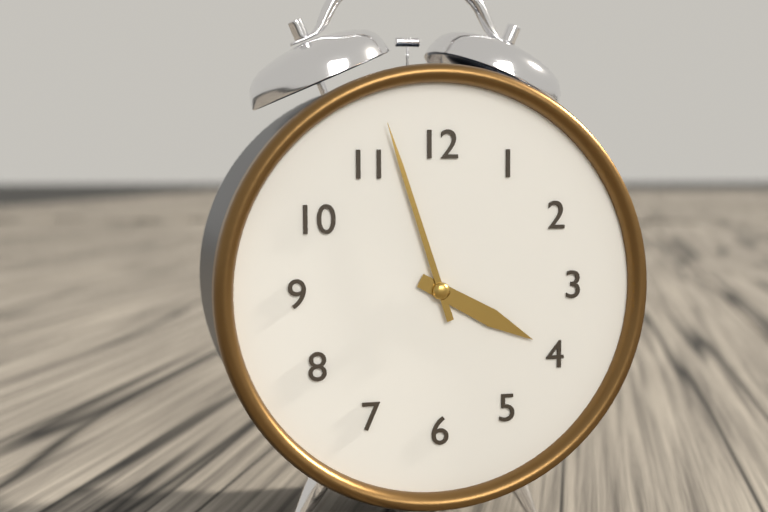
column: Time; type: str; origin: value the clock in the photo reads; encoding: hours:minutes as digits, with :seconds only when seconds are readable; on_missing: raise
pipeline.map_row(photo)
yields 3:57
